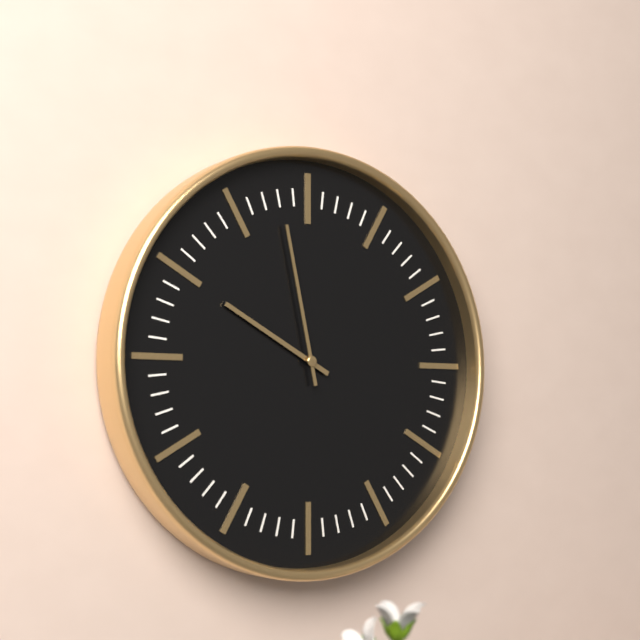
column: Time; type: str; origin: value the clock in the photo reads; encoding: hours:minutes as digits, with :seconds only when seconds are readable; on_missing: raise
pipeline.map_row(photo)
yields 9:58
